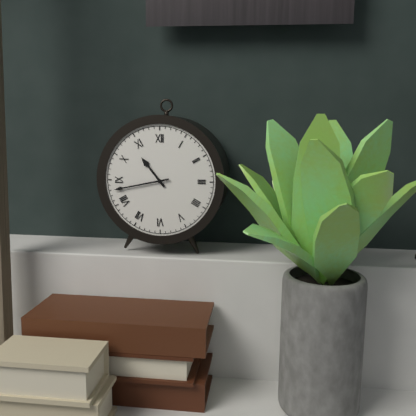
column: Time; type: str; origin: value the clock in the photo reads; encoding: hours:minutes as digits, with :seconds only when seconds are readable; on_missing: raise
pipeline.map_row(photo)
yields 10:43
